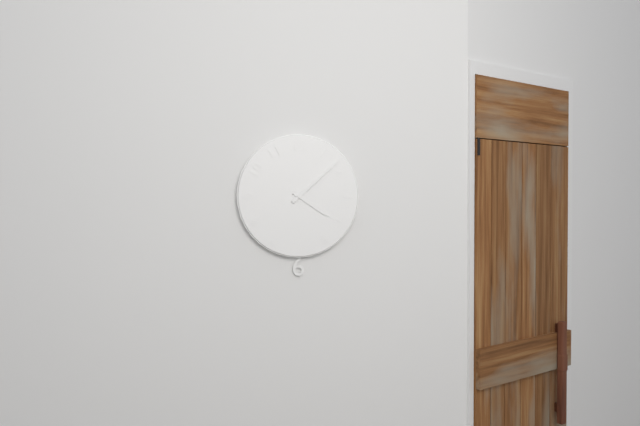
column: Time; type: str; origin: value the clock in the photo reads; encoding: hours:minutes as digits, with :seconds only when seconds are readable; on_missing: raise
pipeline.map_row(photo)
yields 4:08
